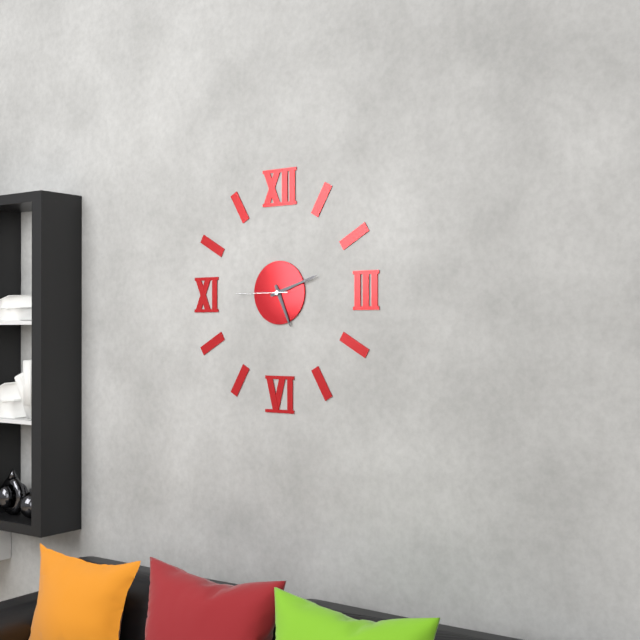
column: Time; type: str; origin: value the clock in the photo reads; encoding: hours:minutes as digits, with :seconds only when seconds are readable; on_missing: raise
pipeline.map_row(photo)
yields 5:12:45
